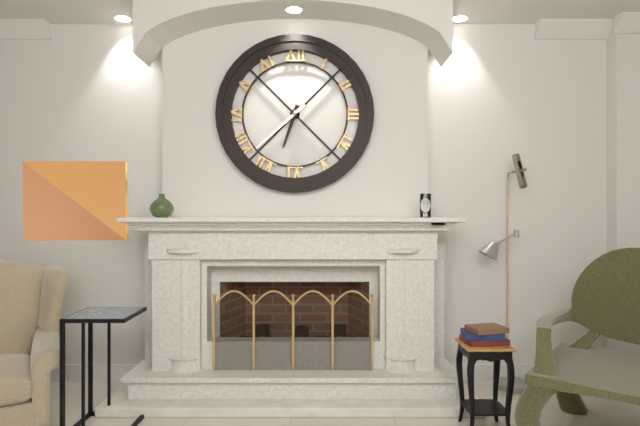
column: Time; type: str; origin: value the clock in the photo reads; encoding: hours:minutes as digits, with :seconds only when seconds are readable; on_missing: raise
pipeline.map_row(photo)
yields 6:38
